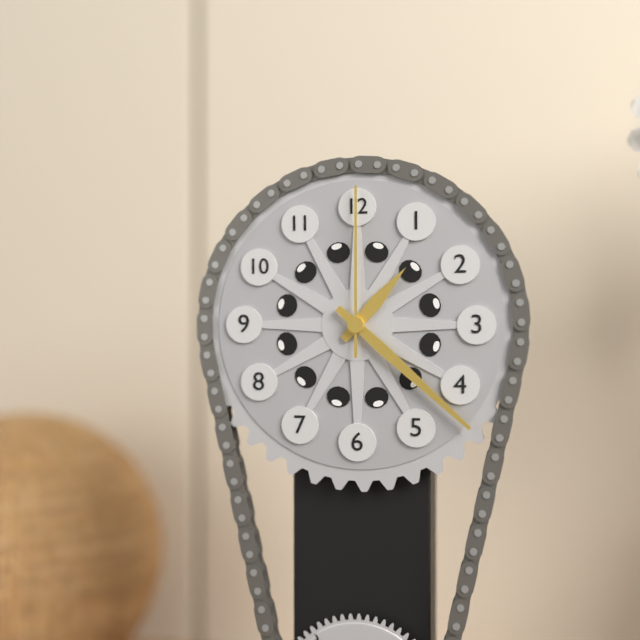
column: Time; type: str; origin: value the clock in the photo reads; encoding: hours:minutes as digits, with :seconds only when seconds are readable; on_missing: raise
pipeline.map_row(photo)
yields 1:22:00
